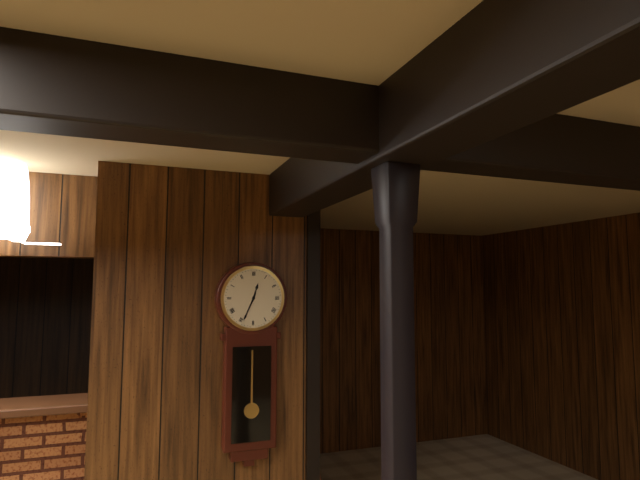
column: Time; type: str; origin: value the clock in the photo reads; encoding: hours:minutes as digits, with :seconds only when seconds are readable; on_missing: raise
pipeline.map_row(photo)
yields 12:34
